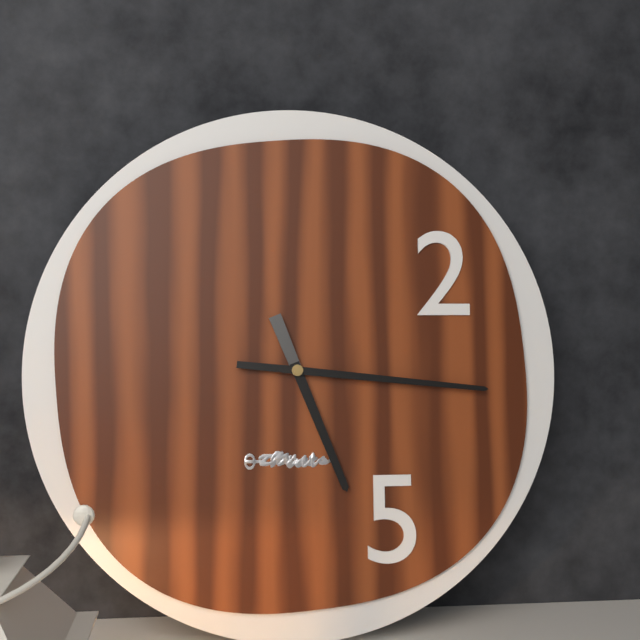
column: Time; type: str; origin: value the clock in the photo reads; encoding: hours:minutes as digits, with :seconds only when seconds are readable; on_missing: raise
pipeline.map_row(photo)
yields 5:16
